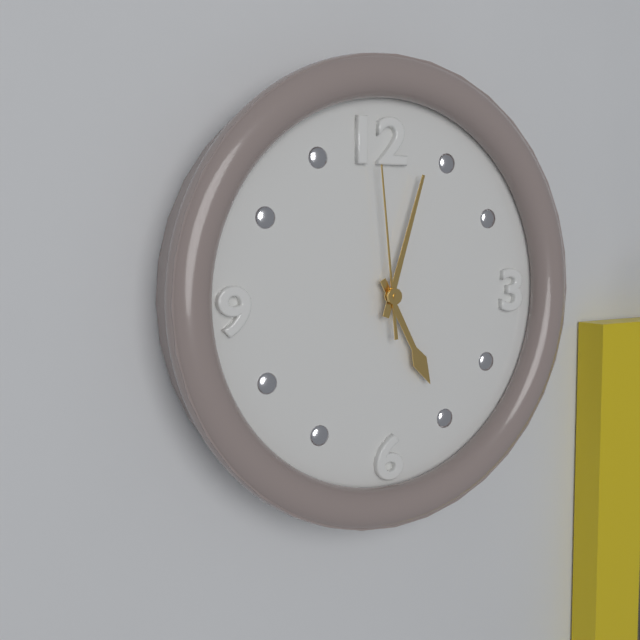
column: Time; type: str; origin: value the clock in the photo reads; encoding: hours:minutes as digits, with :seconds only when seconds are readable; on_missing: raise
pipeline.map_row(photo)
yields 5:03:59
